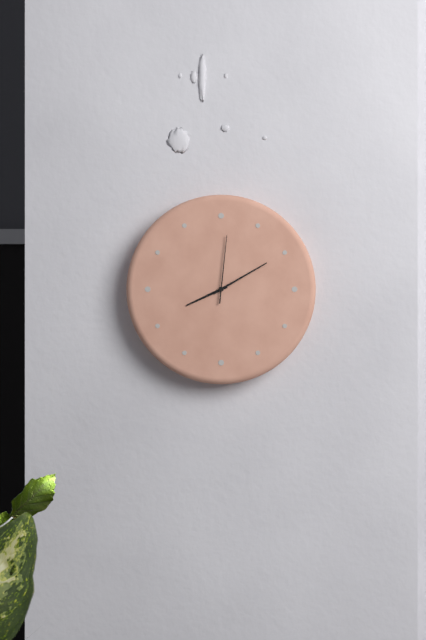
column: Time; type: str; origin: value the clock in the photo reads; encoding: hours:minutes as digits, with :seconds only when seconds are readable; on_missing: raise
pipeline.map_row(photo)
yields 8:10:01
